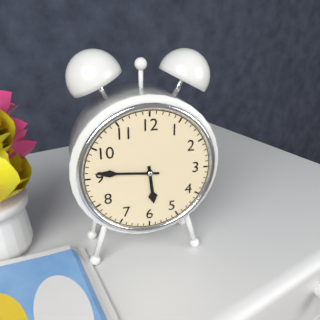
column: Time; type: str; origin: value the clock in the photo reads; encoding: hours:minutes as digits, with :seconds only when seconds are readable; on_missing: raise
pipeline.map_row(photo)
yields 5:46
